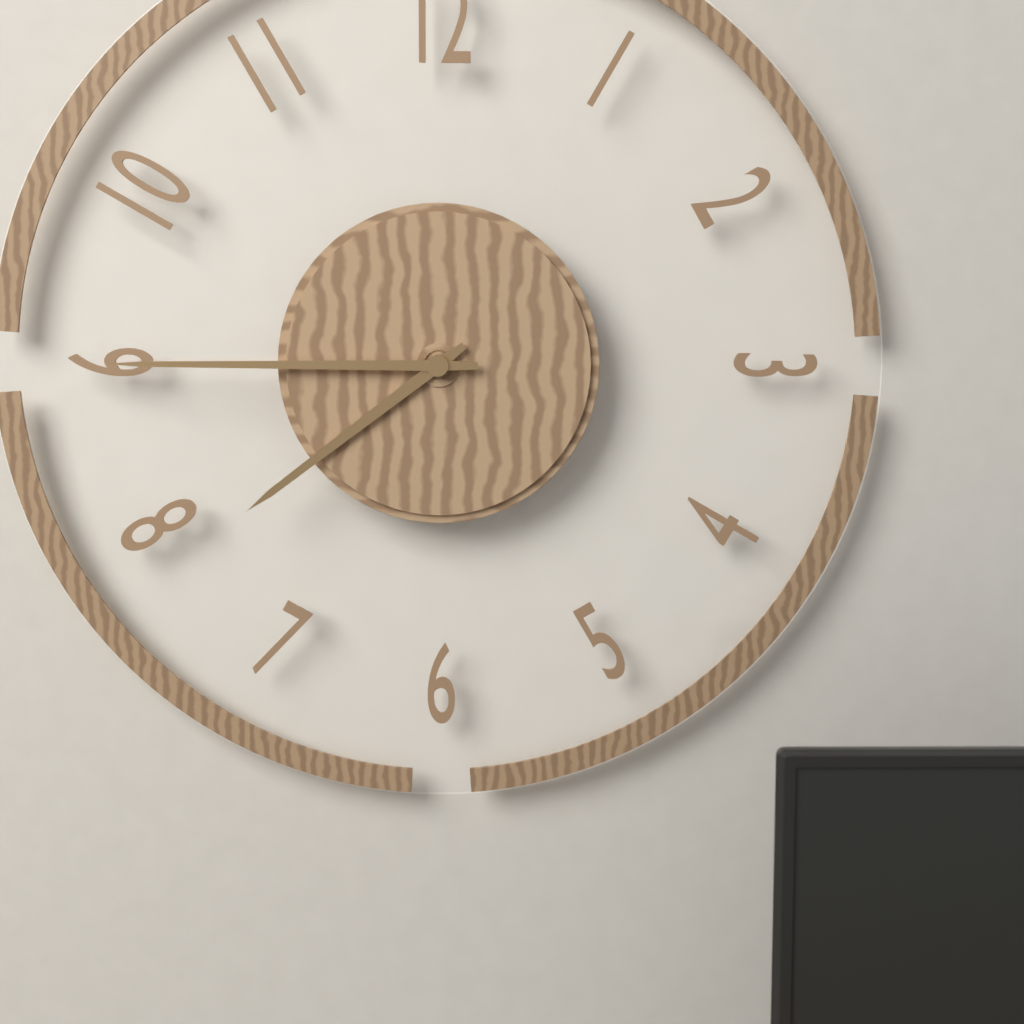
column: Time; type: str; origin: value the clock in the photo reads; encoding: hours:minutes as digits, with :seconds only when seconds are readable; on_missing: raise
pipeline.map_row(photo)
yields 7:45
